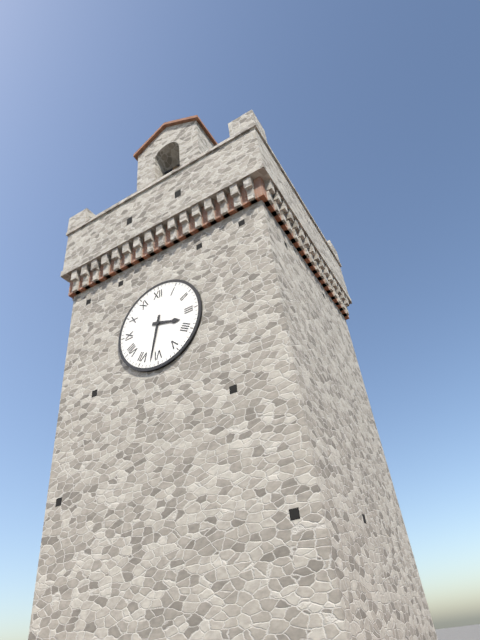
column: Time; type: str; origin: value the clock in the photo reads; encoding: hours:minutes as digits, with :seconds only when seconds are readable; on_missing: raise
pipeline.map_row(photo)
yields 3:32
